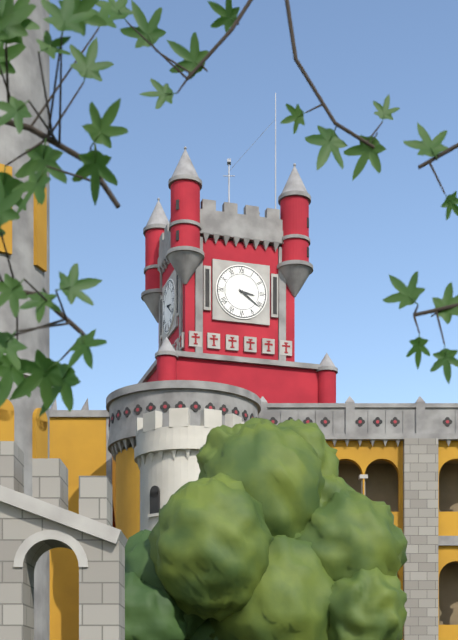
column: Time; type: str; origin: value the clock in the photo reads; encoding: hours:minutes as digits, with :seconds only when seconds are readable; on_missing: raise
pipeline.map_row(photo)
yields 3:21
